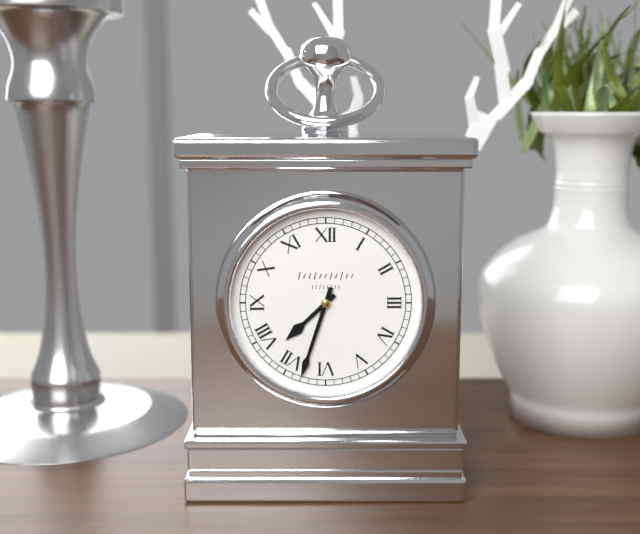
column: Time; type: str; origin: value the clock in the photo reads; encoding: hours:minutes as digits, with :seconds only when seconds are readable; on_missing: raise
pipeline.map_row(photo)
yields 7:33
